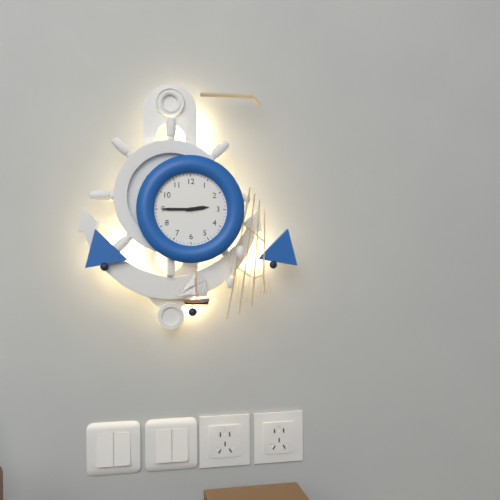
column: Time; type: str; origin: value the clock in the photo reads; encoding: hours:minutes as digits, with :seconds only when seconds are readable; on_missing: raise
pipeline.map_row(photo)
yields 2:45
